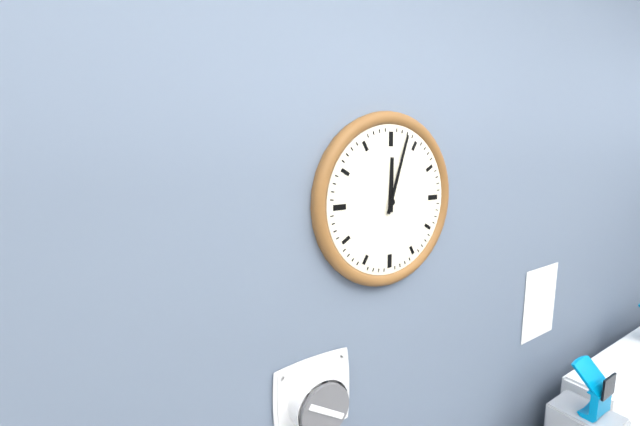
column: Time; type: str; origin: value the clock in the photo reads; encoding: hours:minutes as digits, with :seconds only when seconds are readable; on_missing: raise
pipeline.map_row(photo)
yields 12:03
